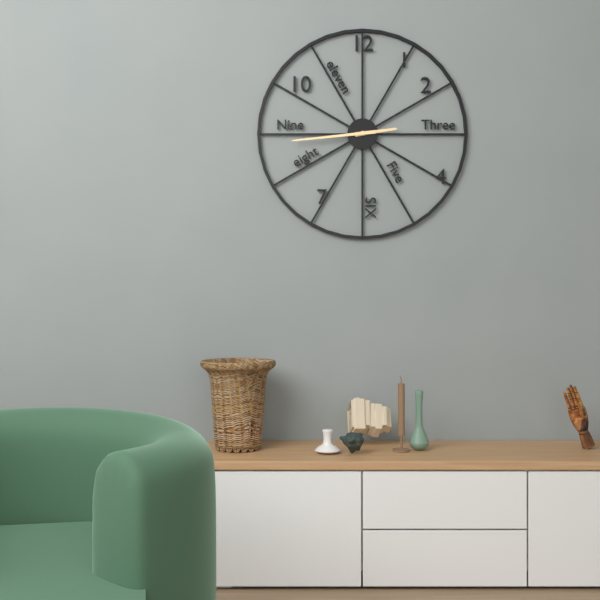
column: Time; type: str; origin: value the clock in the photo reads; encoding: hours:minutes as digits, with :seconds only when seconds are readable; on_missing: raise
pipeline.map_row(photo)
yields 2:44
